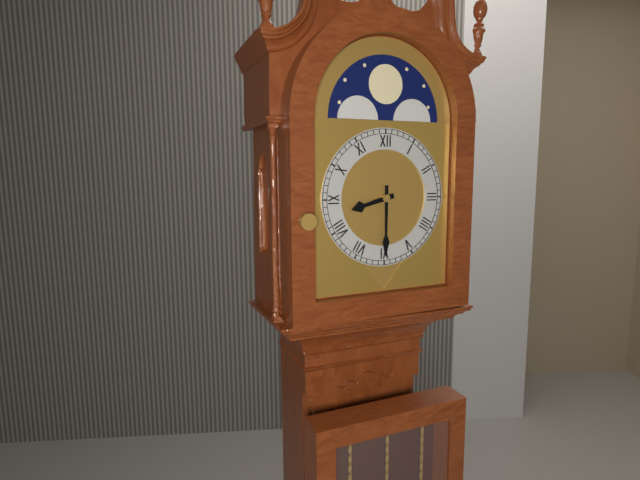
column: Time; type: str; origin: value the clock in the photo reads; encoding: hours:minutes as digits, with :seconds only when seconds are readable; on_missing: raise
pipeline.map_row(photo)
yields 8:30
